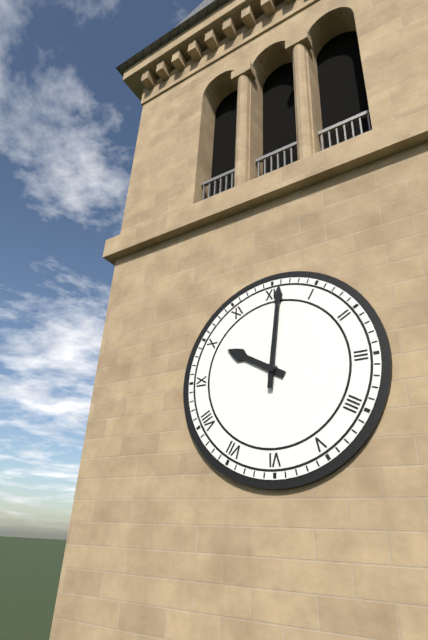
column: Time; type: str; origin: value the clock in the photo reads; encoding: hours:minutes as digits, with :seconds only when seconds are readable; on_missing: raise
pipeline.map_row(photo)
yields 10:01
